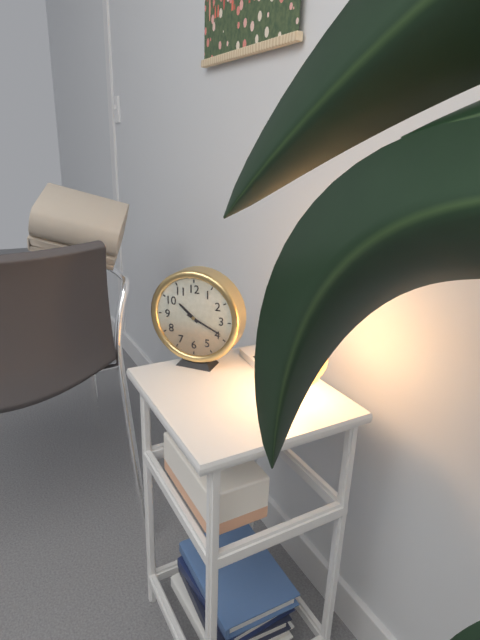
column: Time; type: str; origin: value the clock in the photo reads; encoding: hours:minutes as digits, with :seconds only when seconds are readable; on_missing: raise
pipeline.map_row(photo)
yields 10:19
